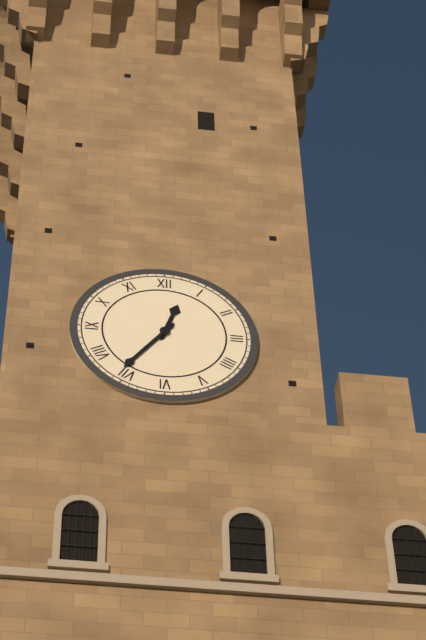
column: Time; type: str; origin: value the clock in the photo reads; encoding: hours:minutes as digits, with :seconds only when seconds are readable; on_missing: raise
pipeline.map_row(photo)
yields 12:36
